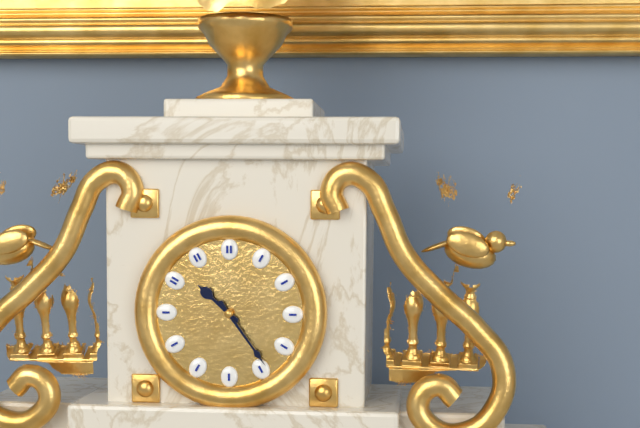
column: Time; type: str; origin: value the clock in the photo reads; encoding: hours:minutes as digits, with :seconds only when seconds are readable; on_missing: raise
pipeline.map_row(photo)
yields 10:24
